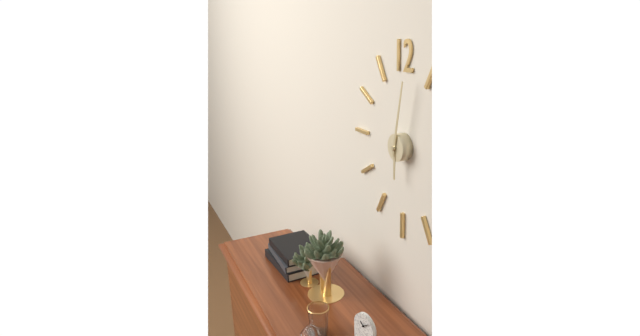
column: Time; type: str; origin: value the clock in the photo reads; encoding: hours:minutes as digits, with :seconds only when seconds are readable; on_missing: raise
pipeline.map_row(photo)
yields 6:02
